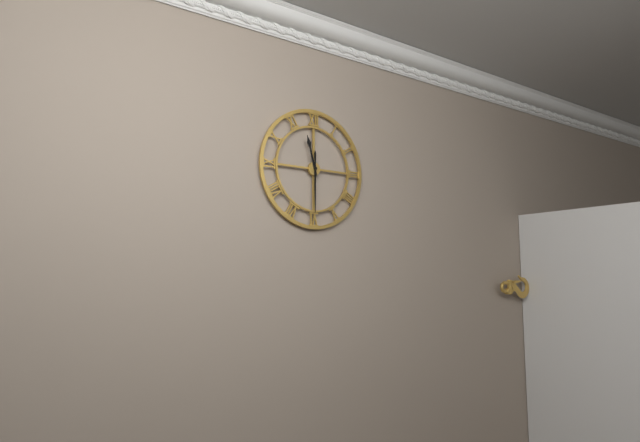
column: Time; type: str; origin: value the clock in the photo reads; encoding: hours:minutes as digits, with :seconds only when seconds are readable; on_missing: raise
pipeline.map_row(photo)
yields 11:30
